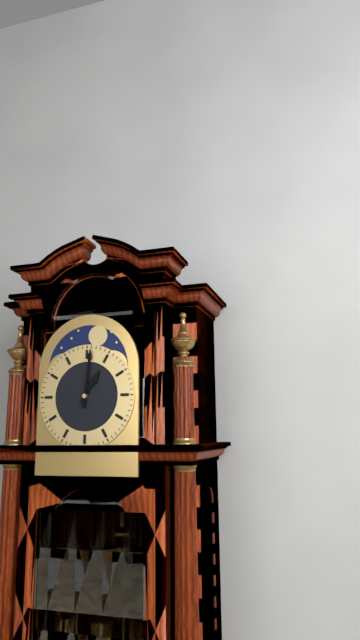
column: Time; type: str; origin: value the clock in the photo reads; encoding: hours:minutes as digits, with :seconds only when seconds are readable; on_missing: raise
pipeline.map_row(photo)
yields 1:01
